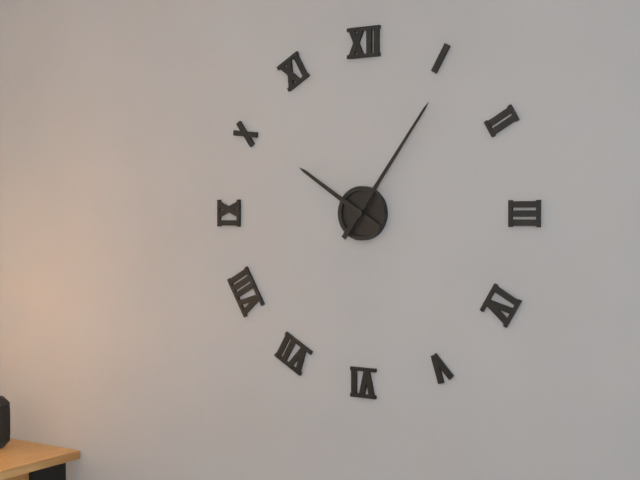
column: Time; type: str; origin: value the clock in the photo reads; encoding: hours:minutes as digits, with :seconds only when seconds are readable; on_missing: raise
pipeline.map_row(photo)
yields 10:06
